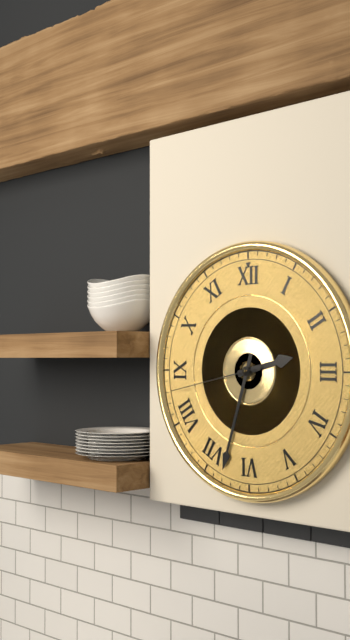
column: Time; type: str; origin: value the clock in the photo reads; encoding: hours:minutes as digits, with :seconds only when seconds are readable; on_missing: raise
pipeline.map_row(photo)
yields 2:33:43
